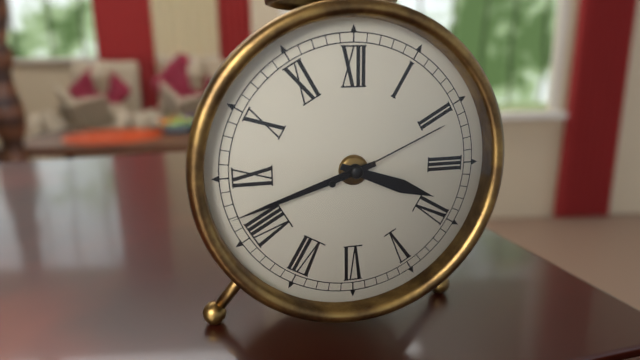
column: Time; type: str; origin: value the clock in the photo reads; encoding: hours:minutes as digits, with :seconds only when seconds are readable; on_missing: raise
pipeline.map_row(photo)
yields 3:42:11
